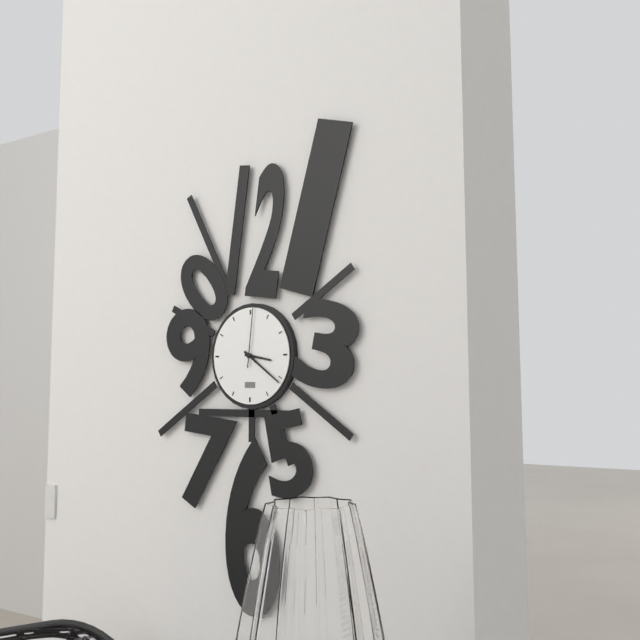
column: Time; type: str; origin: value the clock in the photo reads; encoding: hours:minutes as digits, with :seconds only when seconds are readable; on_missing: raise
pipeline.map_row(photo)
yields 3:21:01
